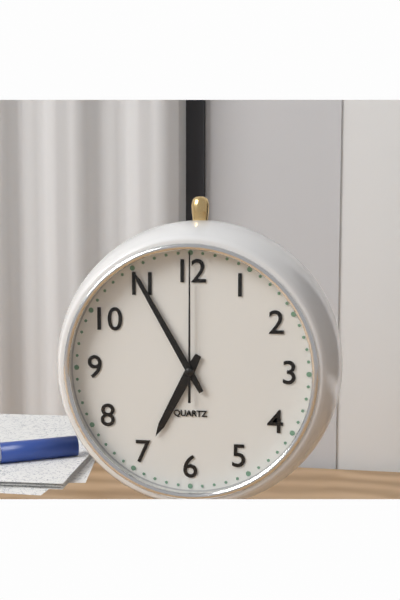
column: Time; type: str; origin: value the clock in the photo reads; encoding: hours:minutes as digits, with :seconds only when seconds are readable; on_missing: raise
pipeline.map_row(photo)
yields 6:55:00
